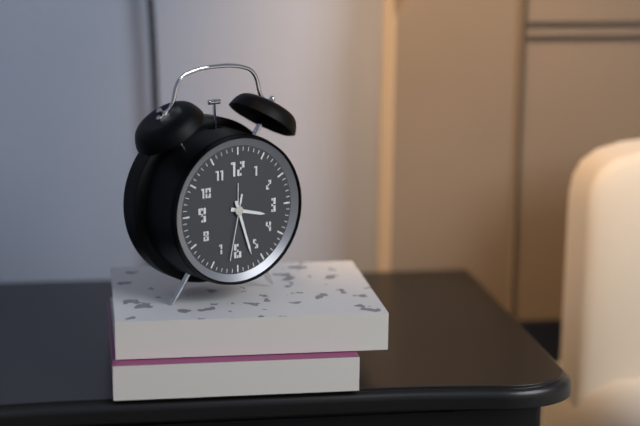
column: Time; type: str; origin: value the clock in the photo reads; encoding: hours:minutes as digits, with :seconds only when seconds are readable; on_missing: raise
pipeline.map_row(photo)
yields 3:27:32
